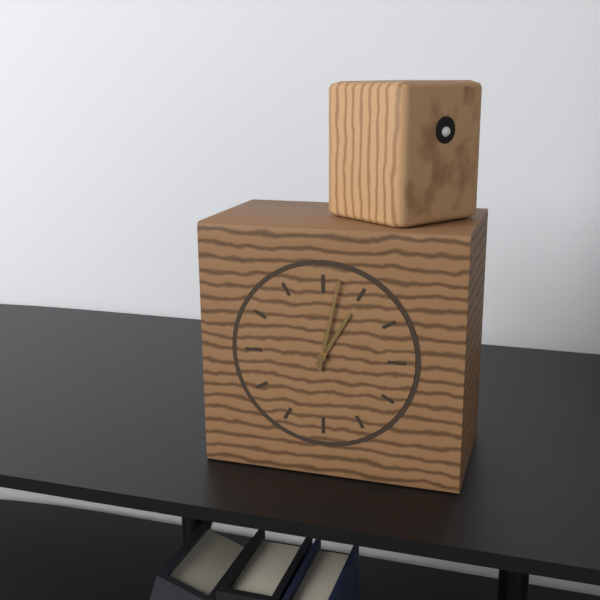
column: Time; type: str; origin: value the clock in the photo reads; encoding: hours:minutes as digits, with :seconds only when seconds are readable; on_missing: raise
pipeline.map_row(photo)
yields 1:02
